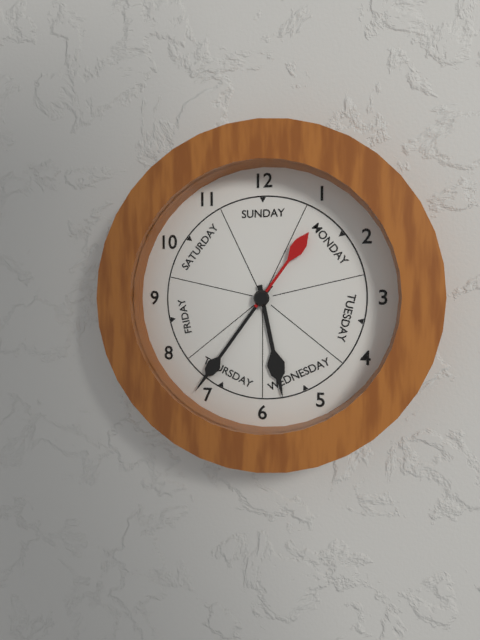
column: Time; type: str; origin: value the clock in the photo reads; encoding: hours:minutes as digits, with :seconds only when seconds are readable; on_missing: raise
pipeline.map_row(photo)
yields 5:36:06
